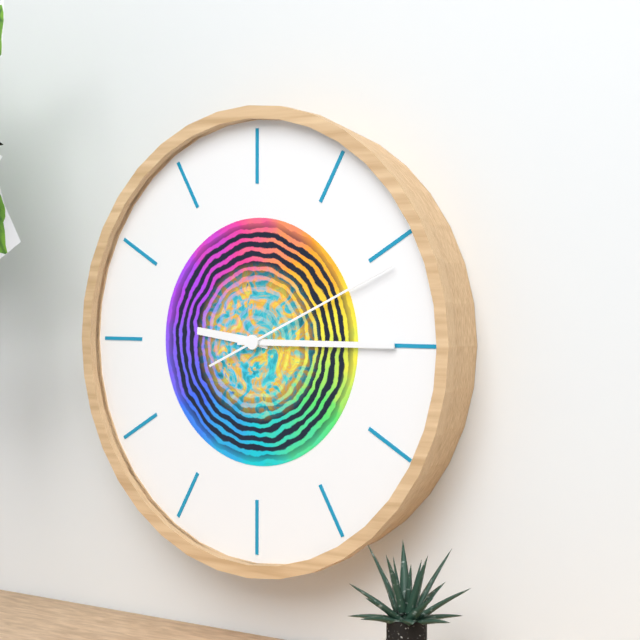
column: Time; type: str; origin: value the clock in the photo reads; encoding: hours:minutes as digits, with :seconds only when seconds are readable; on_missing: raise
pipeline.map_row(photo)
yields 9:15:11
